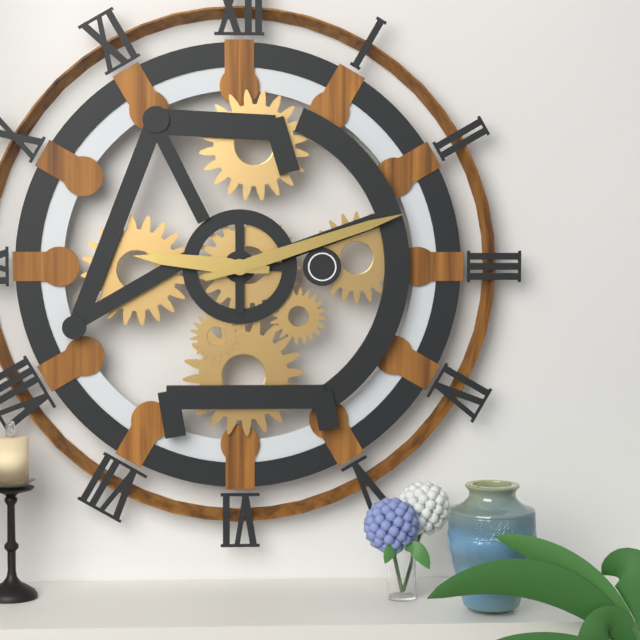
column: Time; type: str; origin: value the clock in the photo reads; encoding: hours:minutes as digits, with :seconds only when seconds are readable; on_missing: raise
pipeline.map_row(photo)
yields 9:12
